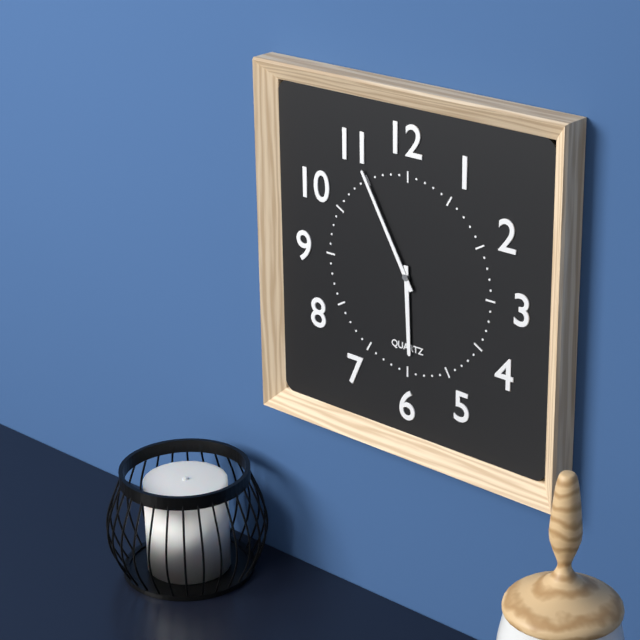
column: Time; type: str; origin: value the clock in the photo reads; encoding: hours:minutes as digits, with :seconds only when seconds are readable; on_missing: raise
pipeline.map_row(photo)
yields 5:55
